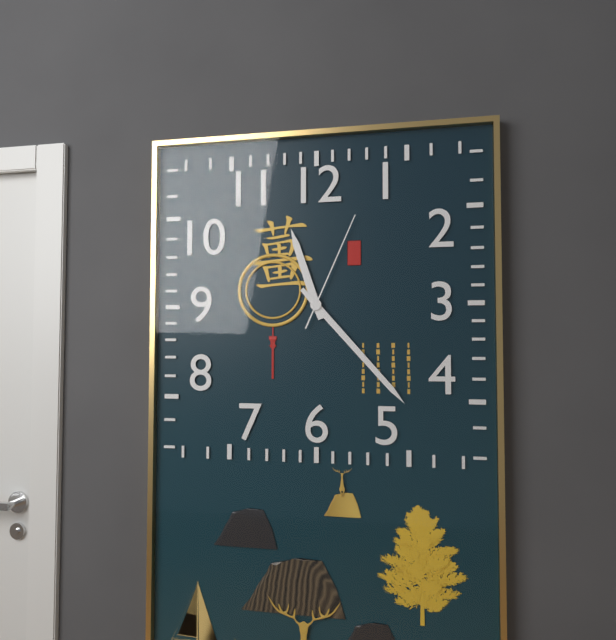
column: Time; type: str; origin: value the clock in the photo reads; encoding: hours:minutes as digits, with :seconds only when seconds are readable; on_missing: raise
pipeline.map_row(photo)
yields 11:23:04
